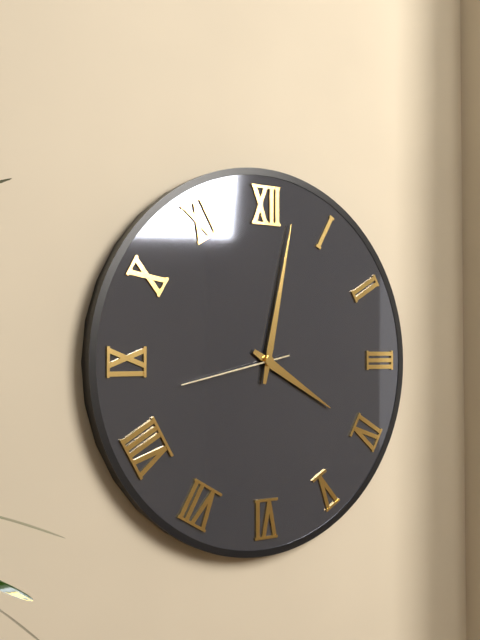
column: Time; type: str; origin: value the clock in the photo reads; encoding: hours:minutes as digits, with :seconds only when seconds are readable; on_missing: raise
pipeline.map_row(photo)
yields 4:02:43
